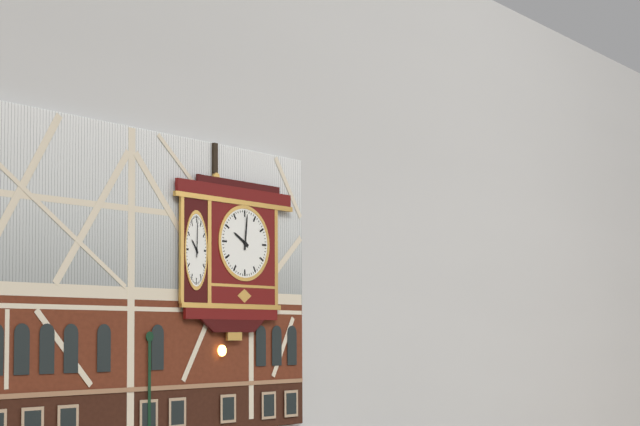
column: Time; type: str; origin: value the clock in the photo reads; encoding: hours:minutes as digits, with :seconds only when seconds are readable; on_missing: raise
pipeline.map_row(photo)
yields 10:01
